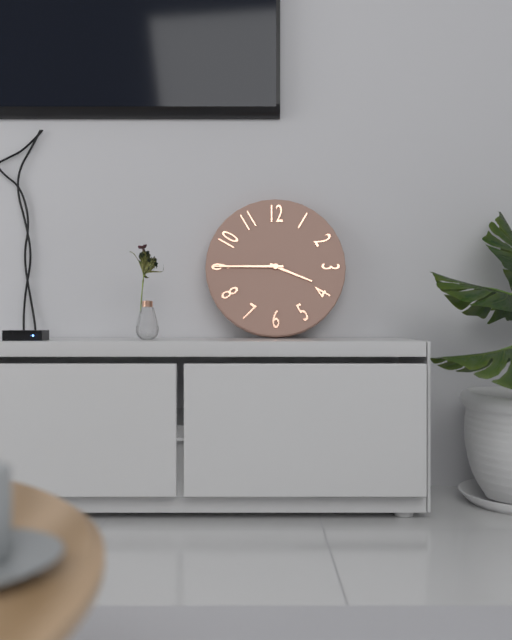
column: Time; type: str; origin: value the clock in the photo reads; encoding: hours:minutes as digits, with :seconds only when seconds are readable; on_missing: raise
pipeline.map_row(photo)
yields 3:45
